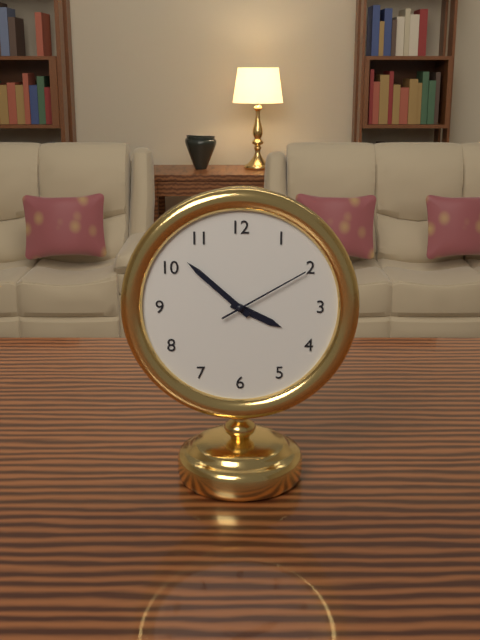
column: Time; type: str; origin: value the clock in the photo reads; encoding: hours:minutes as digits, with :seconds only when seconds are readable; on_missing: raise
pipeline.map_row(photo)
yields 3:52:10
